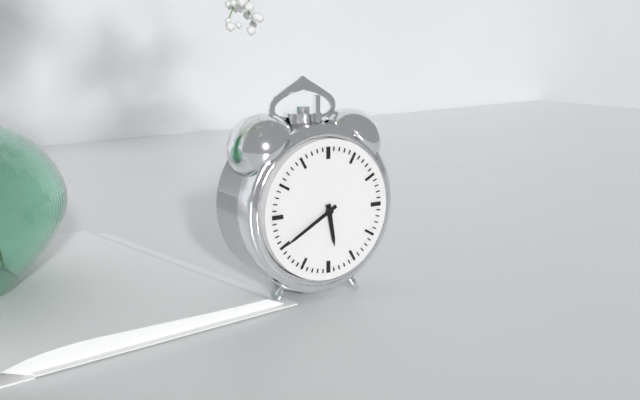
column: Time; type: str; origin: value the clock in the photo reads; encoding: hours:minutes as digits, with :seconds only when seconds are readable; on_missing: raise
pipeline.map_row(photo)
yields 5:40
